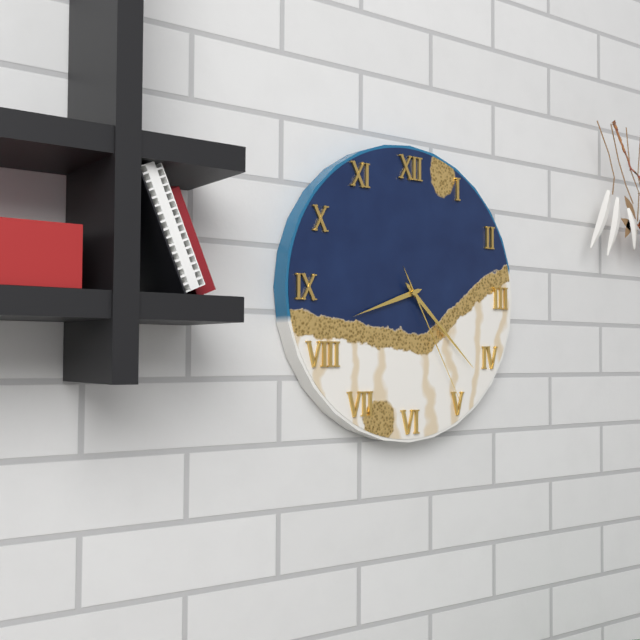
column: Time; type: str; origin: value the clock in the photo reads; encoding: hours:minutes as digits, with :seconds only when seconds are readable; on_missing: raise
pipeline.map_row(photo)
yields 8:22:25
